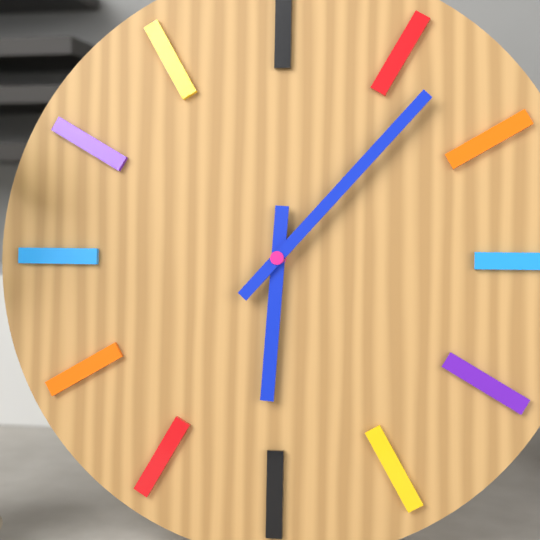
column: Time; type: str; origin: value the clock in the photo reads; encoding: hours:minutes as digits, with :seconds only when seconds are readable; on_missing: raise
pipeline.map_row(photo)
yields 6:07
